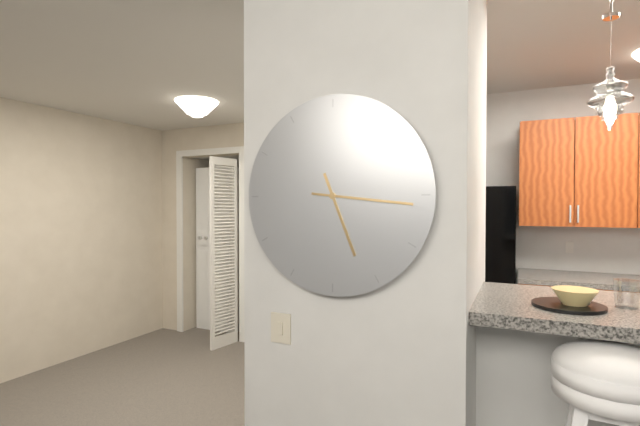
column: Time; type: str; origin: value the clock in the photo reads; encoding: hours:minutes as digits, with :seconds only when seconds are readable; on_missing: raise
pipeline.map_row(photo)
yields 5:16
